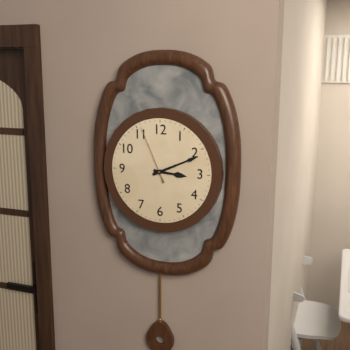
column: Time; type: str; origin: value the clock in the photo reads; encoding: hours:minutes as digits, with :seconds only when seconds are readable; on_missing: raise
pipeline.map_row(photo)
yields 3:11:56
